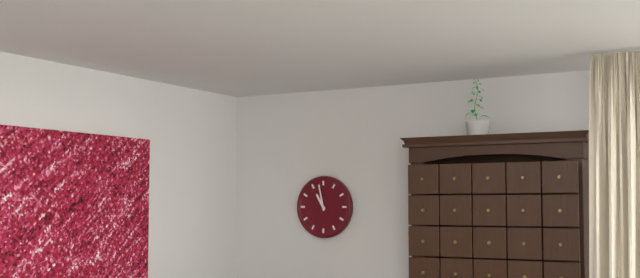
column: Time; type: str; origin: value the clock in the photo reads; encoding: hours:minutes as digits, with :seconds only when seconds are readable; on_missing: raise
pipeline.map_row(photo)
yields 10:58
